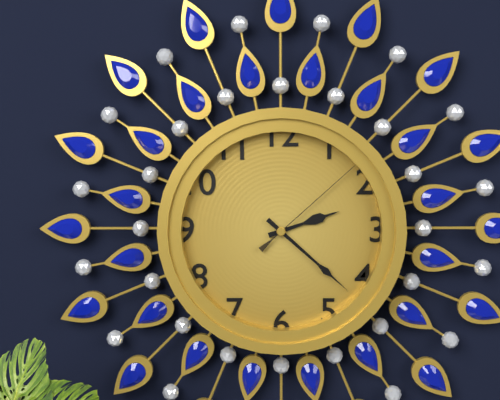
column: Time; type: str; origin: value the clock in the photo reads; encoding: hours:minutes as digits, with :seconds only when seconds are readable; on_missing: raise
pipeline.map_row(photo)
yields 2:22:08
